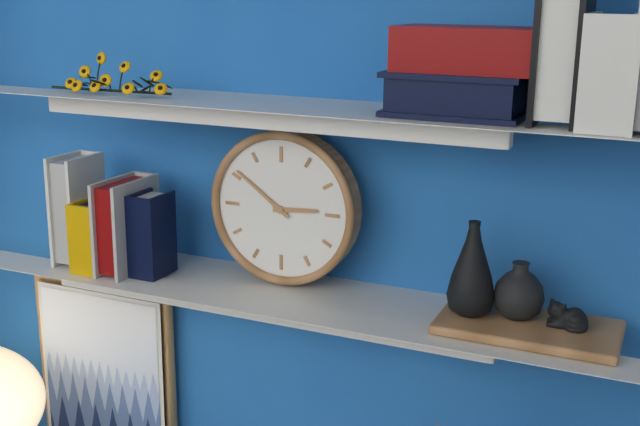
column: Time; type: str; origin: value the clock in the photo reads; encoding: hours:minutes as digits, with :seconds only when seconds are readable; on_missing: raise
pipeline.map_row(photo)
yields 2:51
